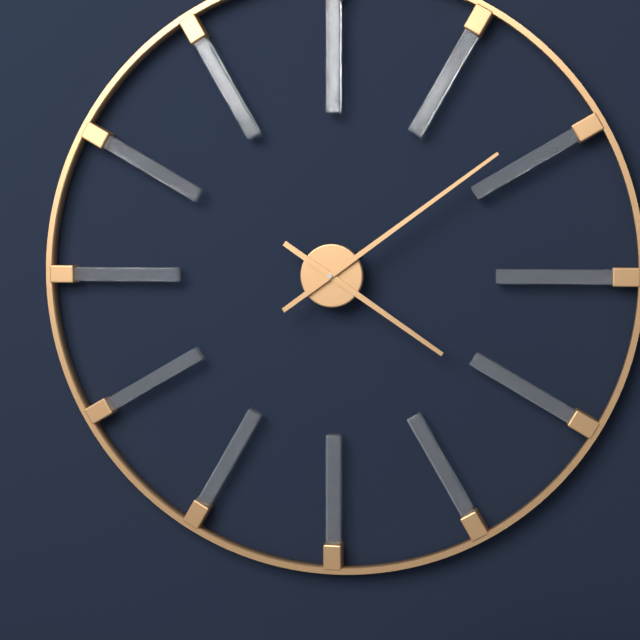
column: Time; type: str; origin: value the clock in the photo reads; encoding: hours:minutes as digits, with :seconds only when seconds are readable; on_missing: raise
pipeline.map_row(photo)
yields 4:09
